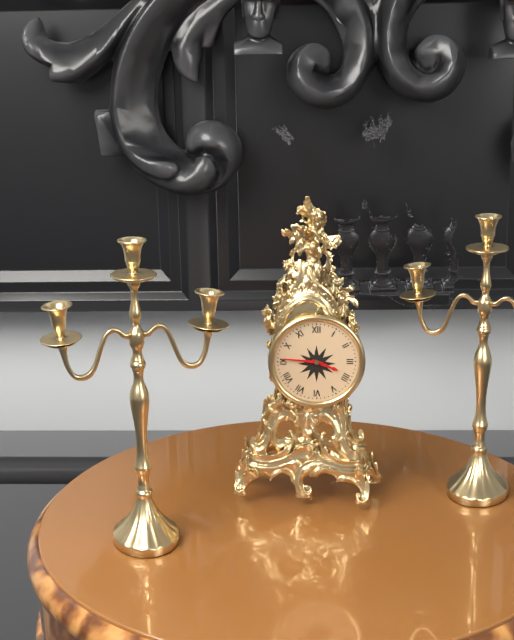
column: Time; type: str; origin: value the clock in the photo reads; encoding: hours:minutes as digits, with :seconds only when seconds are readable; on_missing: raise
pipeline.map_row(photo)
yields 3:46
